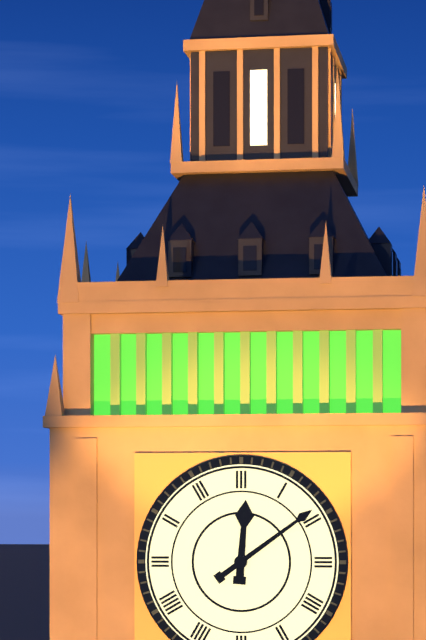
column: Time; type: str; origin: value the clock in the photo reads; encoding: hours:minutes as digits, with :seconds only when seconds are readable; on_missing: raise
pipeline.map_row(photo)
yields 12:09
